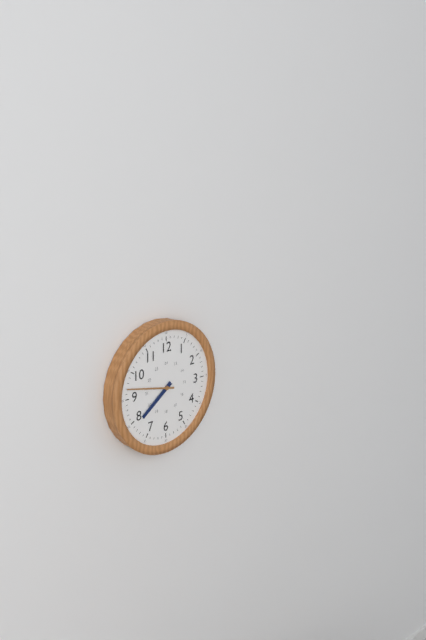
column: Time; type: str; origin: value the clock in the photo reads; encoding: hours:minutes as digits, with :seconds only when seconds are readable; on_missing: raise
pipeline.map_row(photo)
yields 7:47
